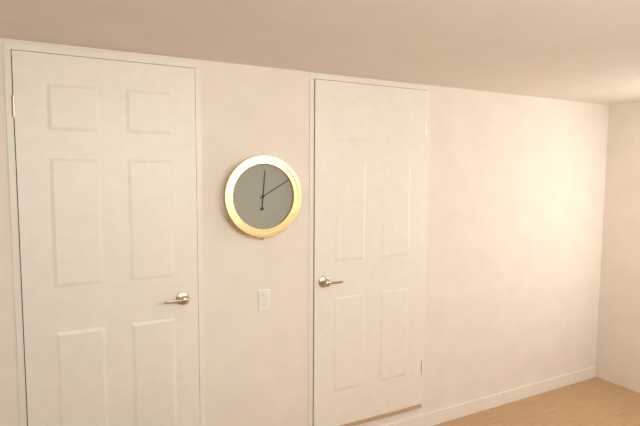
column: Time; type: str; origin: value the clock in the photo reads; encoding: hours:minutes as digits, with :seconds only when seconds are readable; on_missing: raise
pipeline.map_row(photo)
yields 12:10
